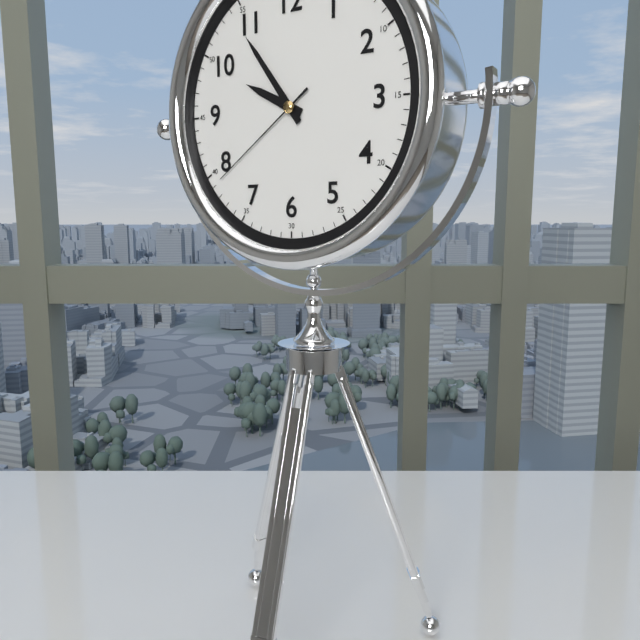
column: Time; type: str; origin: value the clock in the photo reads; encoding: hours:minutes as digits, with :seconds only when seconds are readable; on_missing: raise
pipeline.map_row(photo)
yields 9:54:39
